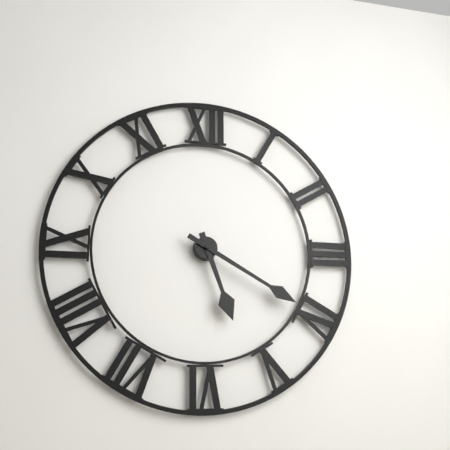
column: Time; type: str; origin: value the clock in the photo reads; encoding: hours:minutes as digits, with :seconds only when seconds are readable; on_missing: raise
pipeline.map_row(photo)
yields 5:20
